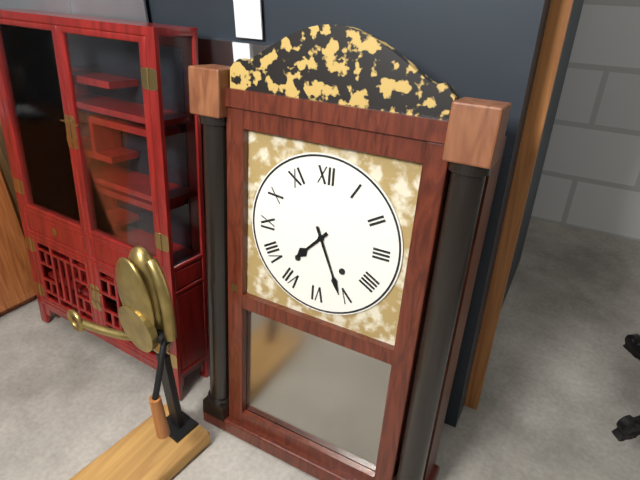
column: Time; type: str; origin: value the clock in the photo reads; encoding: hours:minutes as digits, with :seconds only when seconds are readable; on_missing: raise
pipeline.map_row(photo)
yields 7:26
